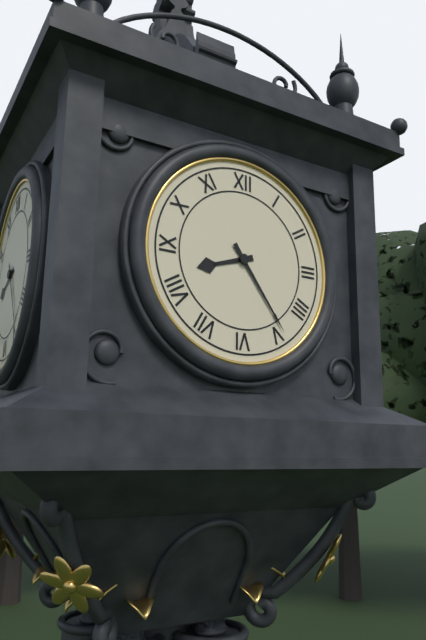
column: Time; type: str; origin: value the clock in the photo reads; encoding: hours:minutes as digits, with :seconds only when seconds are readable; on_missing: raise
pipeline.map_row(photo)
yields 8:24
